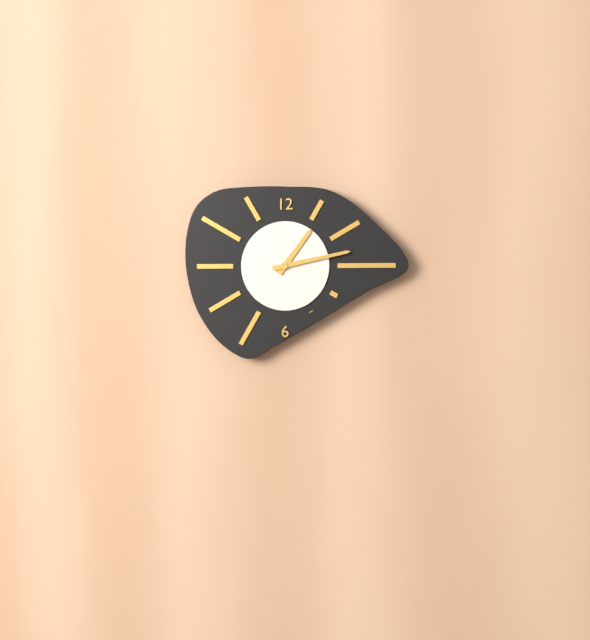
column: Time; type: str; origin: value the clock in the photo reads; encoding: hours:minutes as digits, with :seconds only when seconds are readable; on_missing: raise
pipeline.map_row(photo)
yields 1:13
